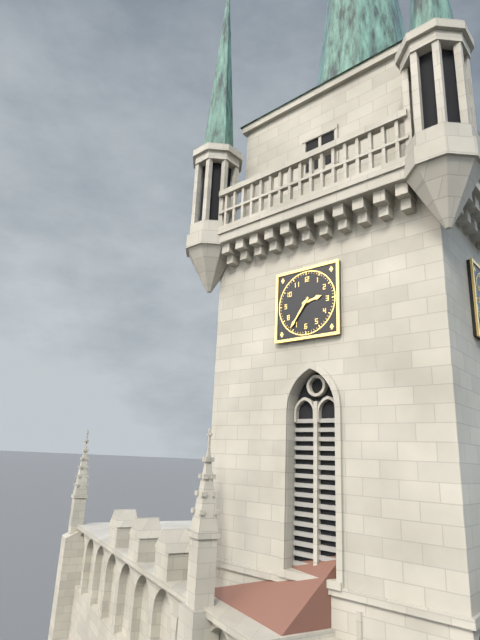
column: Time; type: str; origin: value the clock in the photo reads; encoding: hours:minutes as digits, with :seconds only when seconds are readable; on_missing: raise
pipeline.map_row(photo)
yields 2:36
